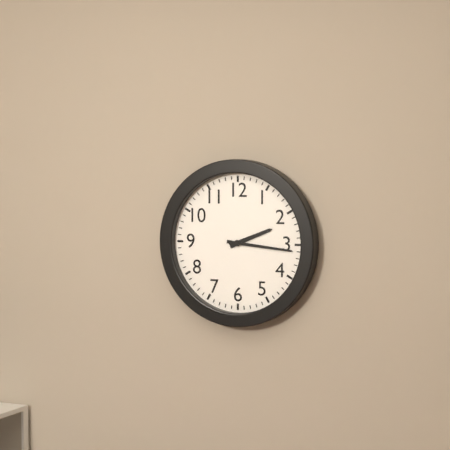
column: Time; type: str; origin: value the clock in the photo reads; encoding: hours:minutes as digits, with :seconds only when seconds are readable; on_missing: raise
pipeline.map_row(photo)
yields 2:16
